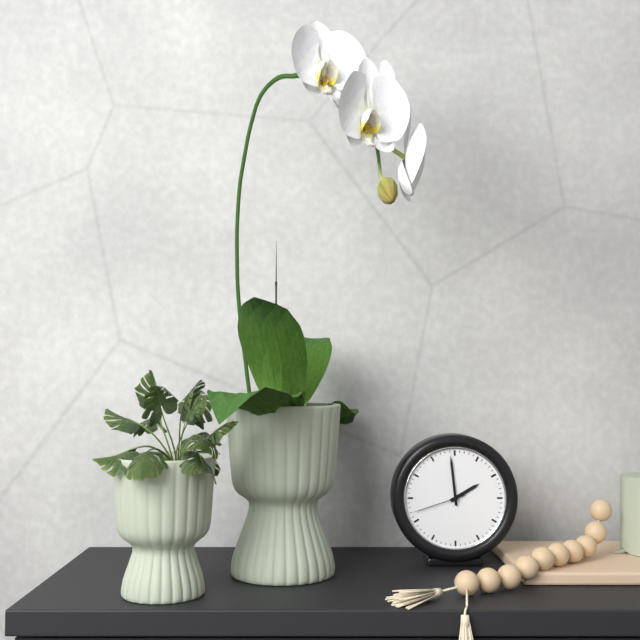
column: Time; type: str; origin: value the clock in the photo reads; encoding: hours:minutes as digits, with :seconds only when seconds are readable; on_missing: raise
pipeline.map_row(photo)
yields 1:59:42
